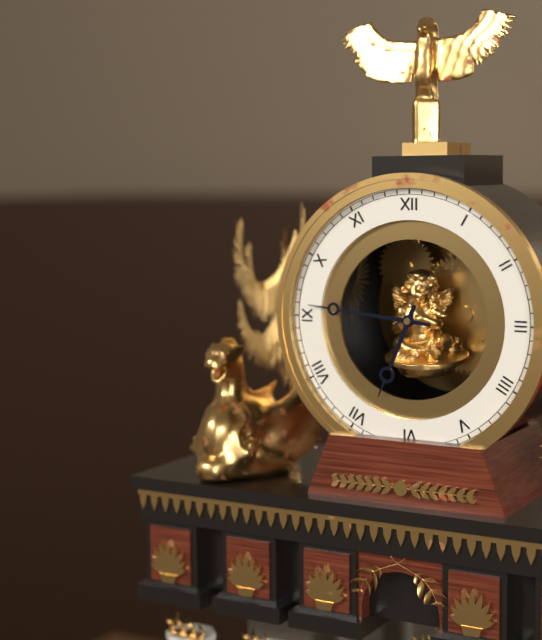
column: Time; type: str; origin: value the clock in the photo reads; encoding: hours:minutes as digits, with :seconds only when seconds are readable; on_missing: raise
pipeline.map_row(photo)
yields 6:46
